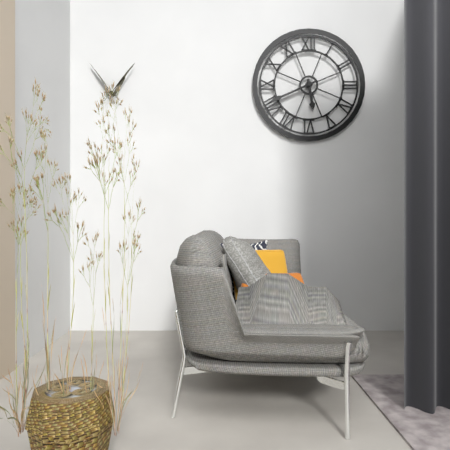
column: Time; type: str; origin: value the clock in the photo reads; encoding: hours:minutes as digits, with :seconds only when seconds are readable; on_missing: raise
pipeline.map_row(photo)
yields 5:41
